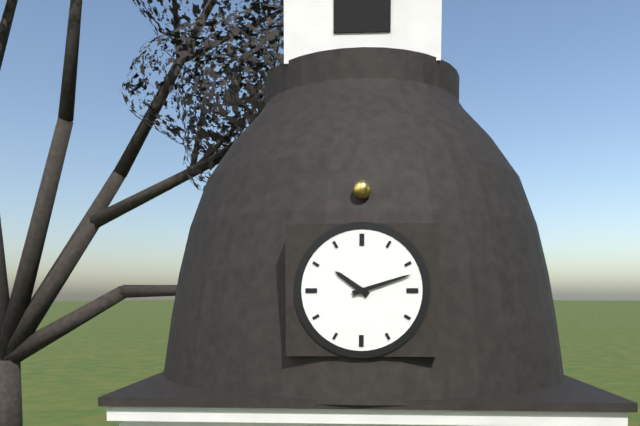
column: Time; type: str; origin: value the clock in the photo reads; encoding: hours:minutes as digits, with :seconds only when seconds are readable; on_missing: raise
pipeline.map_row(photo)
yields 10:12
